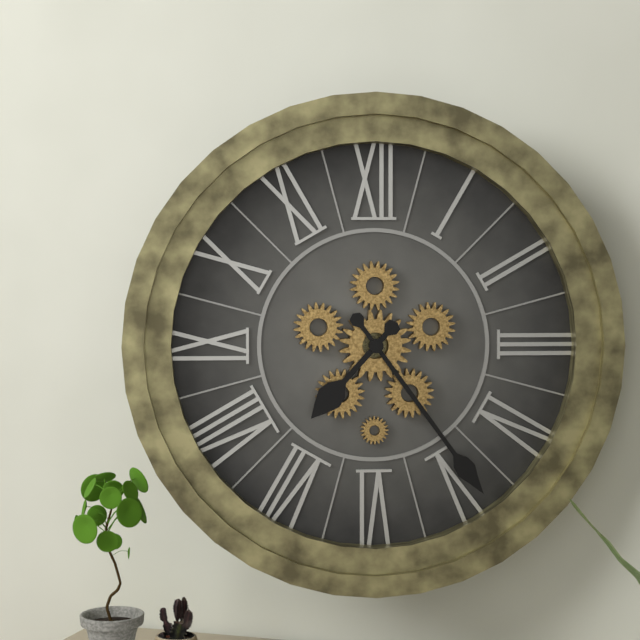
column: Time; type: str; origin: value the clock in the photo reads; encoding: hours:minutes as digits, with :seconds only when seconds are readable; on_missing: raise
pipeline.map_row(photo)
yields 7:24
